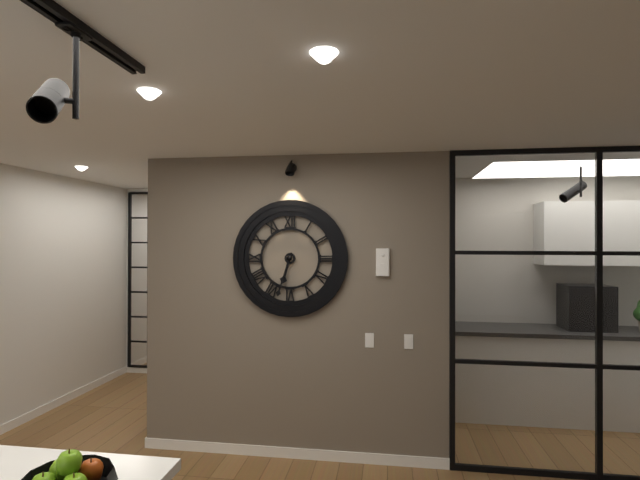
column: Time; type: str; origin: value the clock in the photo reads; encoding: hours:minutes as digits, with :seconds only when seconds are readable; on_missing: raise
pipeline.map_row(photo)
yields 6:33
